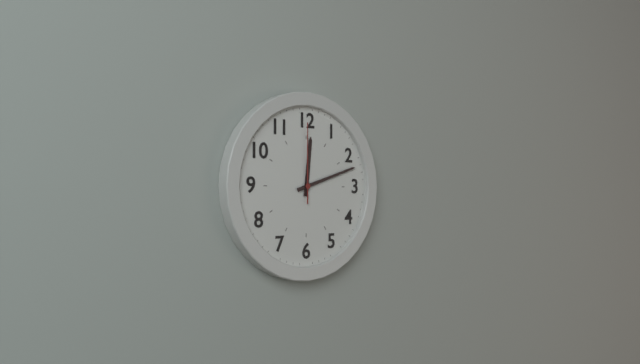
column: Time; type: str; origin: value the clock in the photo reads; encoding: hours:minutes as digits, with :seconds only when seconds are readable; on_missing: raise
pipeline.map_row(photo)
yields 12:12:00
